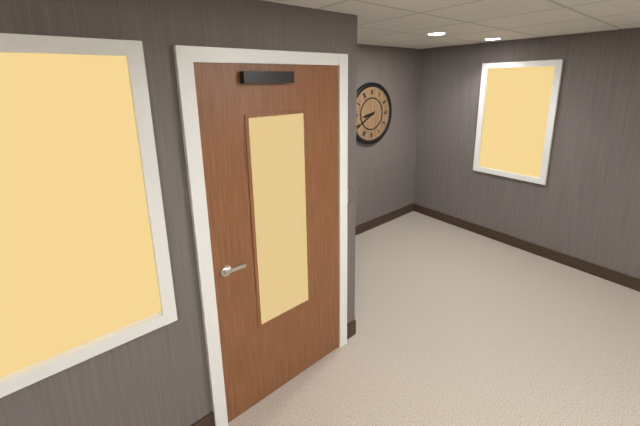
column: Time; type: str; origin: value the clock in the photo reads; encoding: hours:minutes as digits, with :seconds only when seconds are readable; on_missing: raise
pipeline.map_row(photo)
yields 8:40
